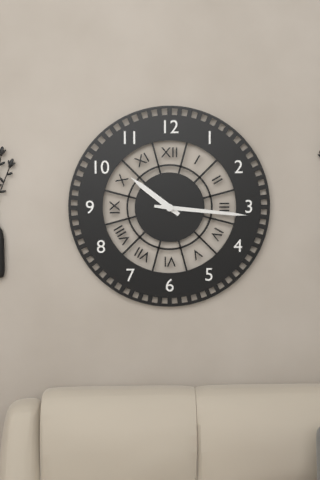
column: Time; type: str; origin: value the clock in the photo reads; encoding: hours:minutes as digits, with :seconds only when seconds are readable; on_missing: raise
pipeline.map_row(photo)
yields 10:16
